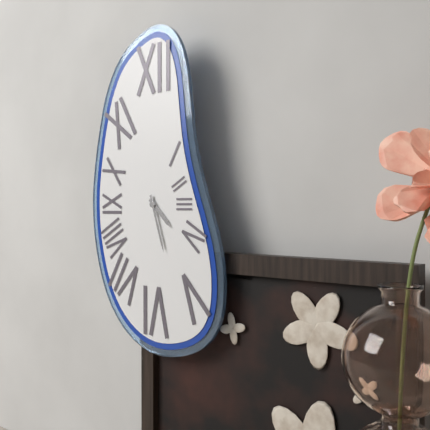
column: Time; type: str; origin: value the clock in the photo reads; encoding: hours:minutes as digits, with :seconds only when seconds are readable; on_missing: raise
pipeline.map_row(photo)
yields 4:27
